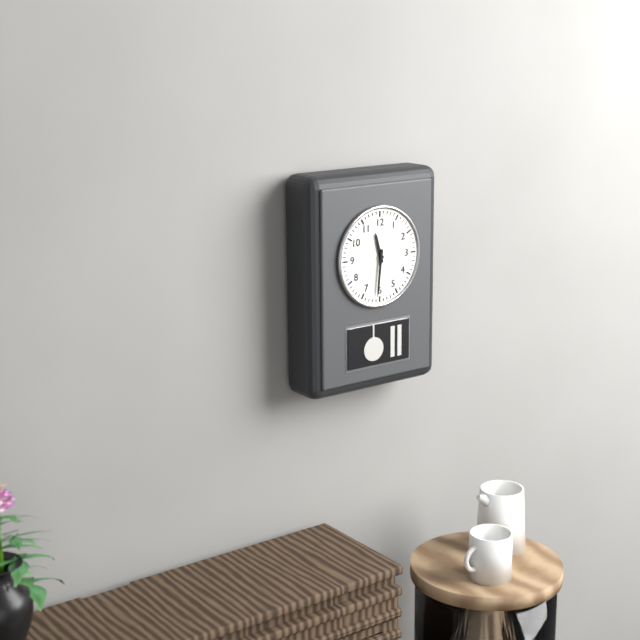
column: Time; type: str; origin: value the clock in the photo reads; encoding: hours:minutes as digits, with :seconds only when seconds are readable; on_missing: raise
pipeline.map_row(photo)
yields 11:31
